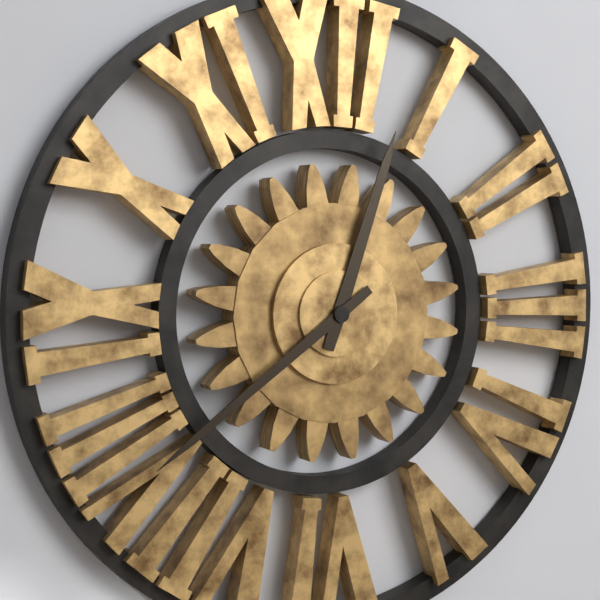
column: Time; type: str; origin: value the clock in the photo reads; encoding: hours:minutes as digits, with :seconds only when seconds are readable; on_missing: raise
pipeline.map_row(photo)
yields 12:39
